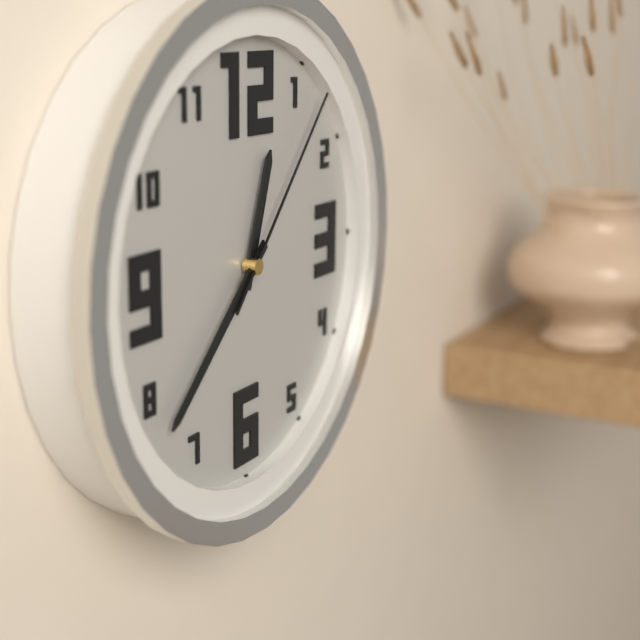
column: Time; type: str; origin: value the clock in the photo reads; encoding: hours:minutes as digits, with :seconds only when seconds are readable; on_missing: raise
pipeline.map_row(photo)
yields 12:38:07
